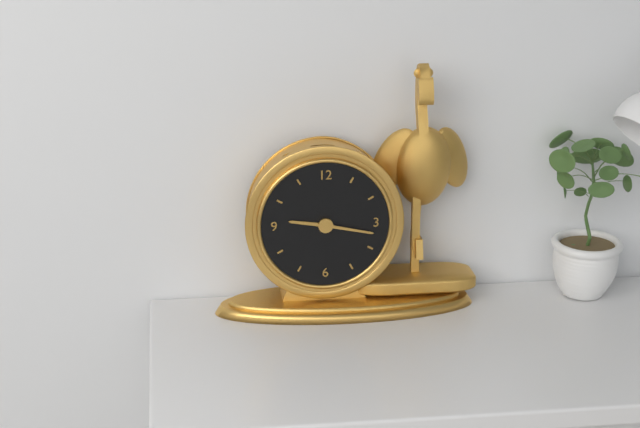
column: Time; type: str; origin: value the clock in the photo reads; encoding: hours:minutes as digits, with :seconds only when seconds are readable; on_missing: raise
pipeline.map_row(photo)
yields 9:17
